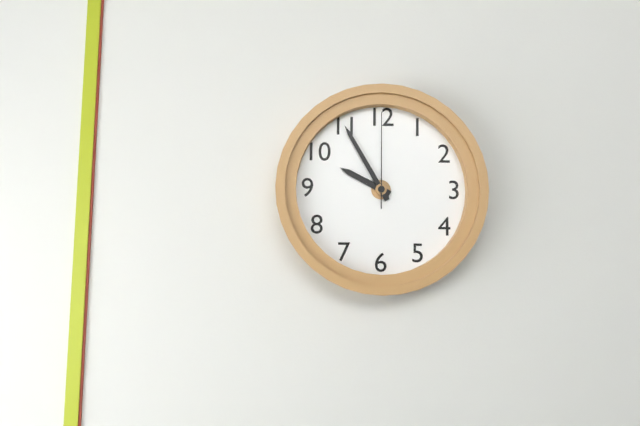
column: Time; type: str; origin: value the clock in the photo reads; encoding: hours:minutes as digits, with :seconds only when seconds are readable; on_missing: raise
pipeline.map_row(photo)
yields 9:55:00
